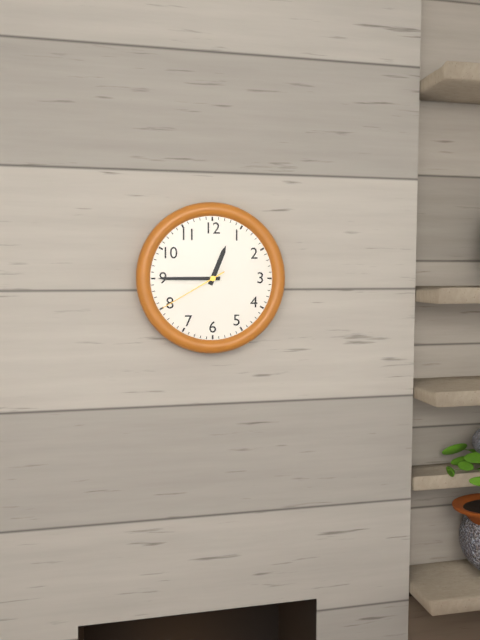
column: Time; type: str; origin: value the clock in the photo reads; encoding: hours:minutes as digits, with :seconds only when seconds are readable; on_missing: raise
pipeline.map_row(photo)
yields 12:45:40
